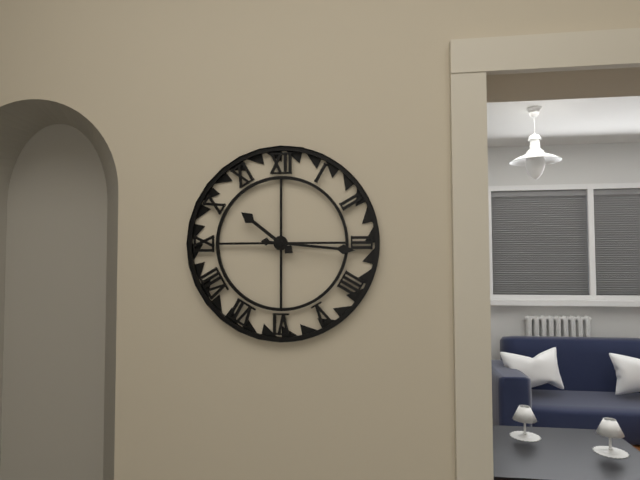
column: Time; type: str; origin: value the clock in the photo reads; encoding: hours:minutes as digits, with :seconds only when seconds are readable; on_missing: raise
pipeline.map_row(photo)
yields 10:16
